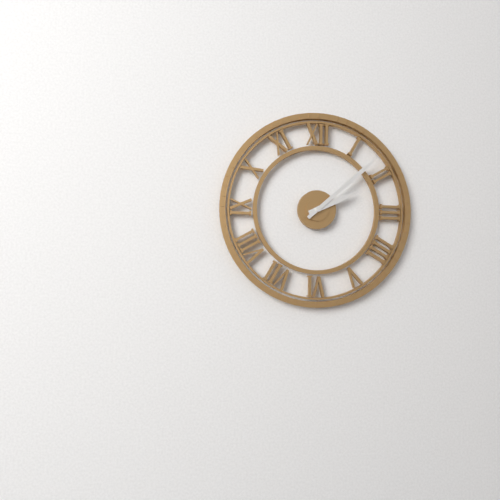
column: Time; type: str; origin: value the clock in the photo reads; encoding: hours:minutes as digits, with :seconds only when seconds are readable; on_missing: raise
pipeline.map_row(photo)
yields 2:08
